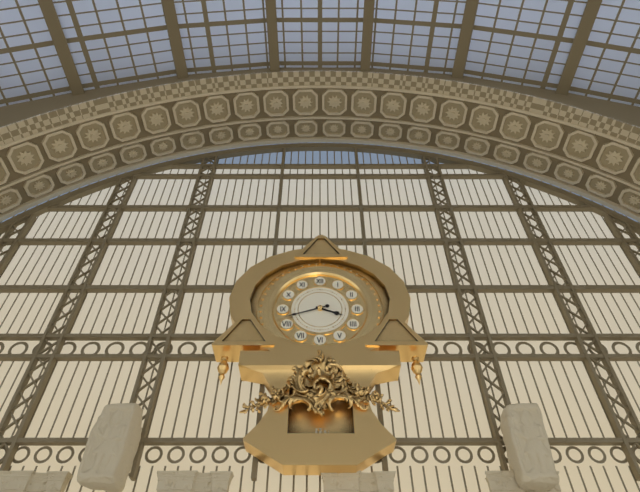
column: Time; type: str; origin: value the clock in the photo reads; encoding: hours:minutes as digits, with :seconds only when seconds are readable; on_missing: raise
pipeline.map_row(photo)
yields 3:42
